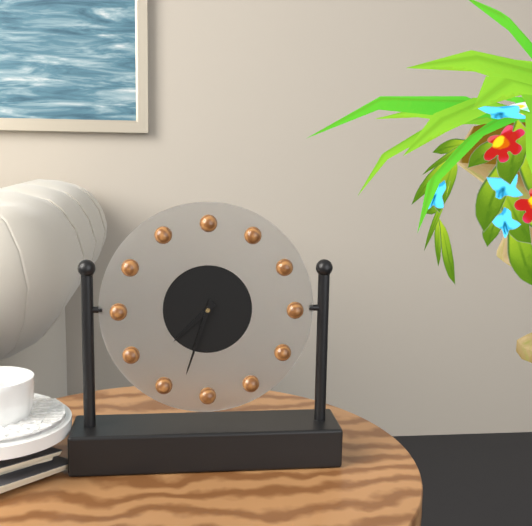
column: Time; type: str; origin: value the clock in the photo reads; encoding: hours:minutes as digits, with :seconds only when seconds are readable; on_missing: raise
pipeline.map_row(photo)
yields 7:33
